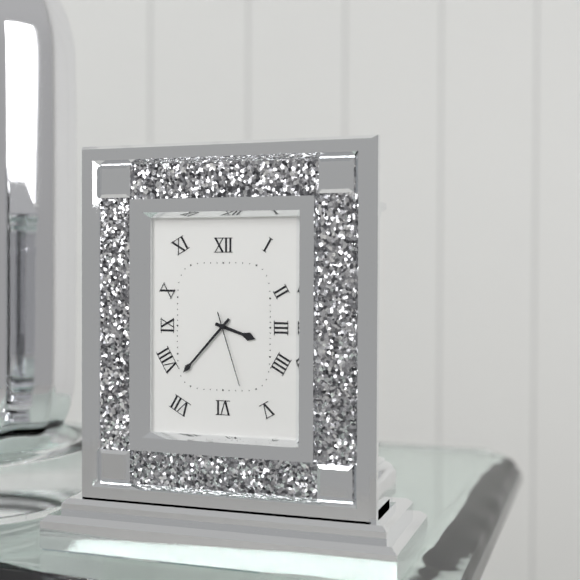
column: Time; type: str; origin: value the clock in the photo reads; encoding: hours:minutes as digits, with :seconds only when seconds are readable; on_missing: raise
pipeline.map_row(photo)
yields 3:37:27
